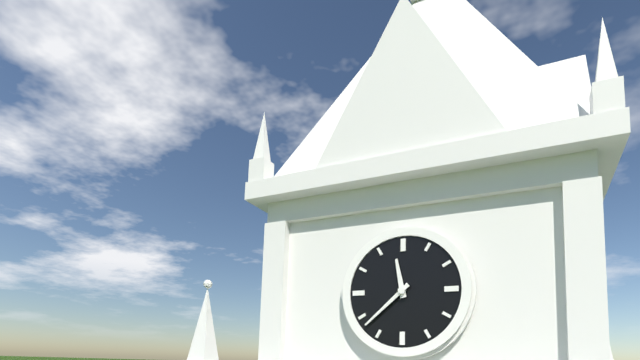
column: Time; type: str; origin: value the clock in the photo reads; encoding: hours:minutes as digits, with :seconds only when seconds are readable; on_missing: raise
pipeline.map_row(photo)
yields 11:38
